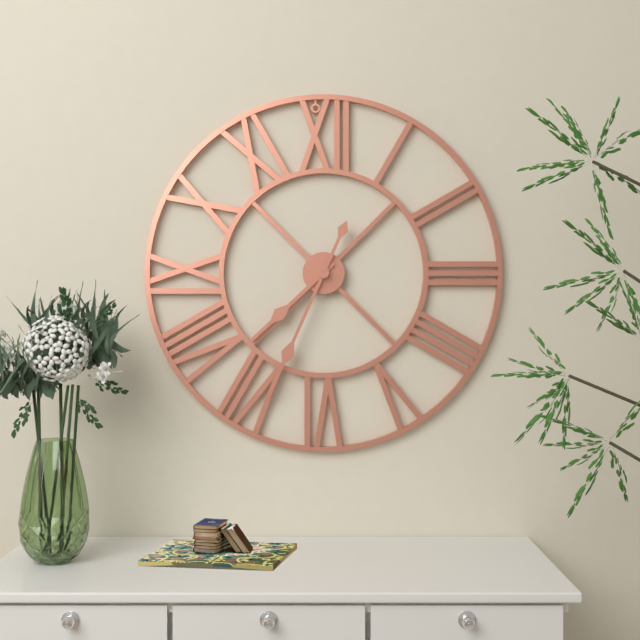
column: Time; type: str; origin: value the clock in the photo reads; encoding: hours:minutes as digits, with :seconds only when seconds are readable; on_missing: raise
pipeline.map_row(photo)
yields 7:34
